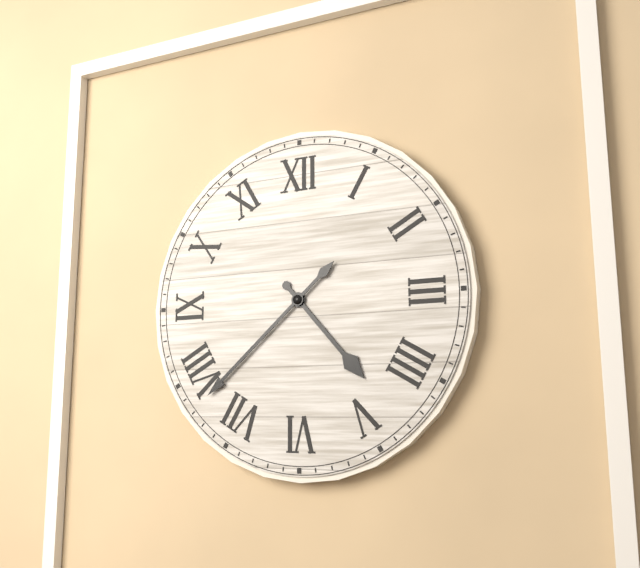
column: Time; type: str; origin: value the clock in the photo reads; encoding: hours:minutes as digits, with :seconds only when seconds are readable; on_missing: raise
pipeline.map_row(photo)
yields 4:38
